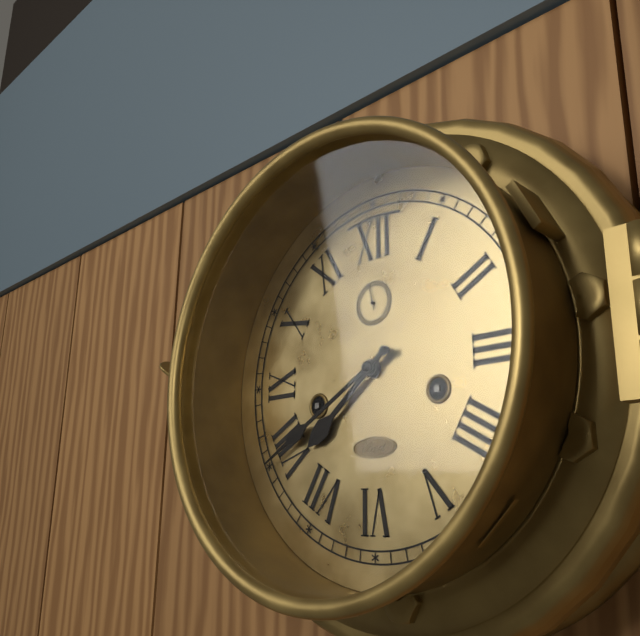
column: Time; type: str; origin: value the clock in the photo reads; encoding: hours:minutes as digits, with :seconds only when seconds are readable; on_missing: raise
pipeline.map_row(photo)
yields 7:40
